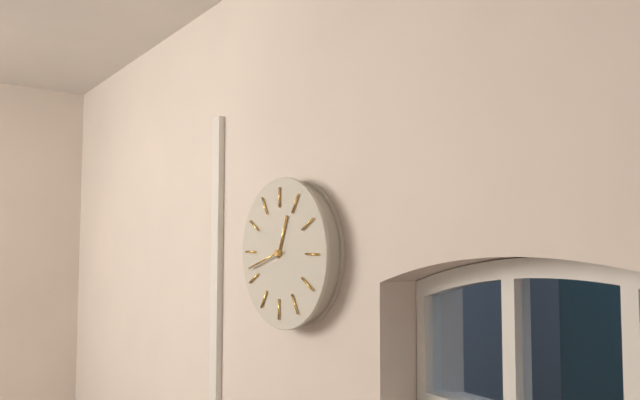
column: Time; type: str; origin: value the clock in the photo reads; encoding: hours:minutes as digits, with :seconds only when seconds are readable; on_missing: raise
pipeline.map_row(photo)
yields 12:42
